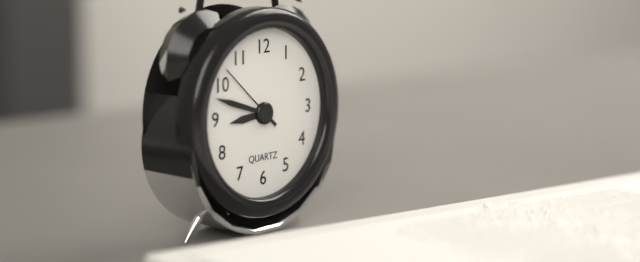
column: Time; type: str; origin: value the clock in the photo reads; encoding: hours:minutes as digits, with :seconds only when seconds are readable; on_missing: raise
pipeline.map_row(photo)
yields 8:48:52
